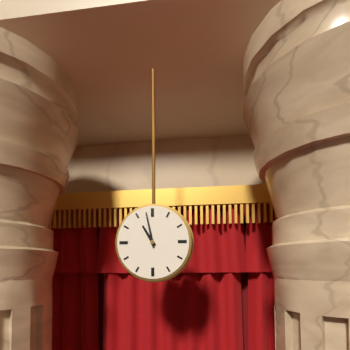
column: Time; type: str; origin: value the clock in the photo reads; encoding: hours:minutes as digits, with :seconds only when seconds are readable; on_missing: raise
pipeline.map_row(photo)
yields 10:58
